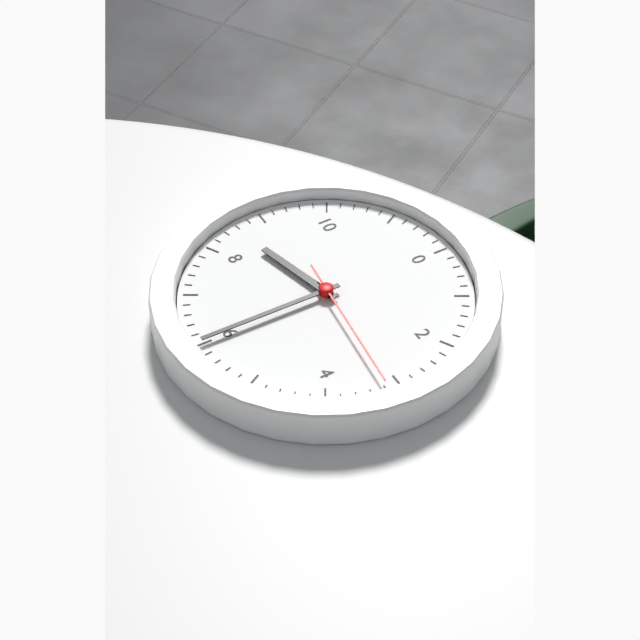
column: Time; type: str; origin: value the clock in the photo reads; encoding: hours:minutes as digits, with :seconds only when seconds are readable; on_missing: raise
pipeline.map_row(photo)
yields 8:30:16
